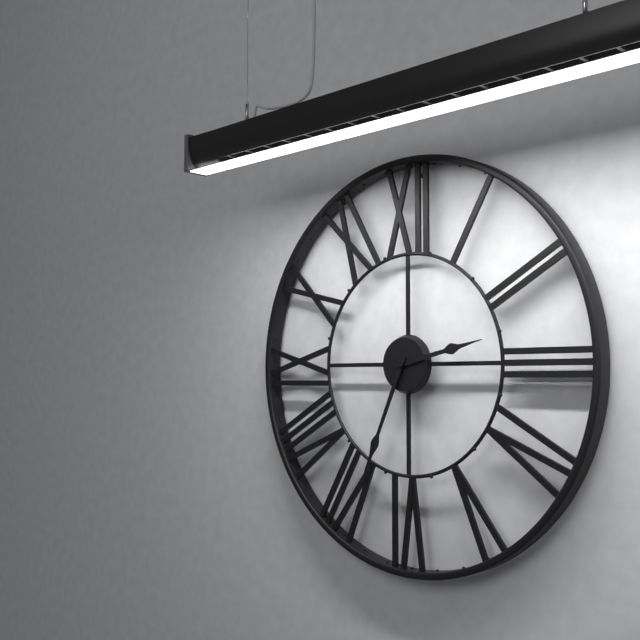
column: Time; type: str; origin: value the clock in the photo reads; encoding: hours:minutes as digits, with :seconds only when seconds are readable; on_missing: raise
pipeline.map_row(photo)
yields 2:34
